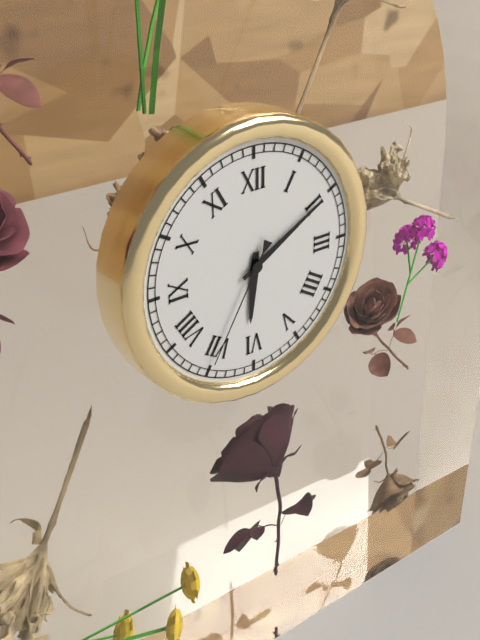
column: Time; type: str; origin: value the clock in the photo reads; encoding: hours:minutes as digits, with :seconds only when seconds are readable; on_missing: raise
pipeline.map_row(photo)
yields 6:10:35
